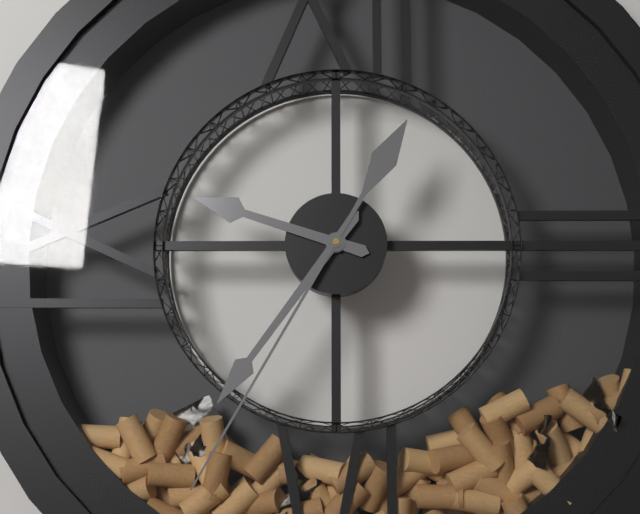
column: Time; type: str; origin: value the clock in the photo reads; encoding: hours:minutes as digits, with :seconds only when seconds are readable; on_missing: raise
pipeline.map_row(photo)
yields 9:36:35
